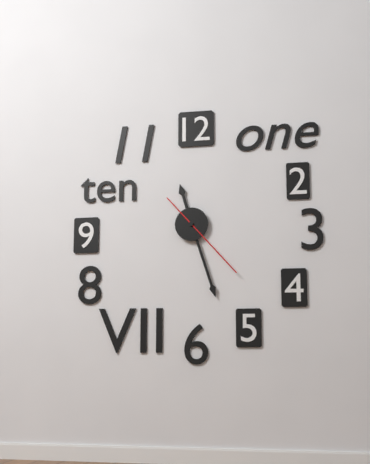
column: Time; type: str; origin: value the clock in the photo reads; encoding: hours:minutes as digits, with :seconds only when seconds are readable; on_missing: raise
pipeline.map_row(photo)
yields 11:27:23
